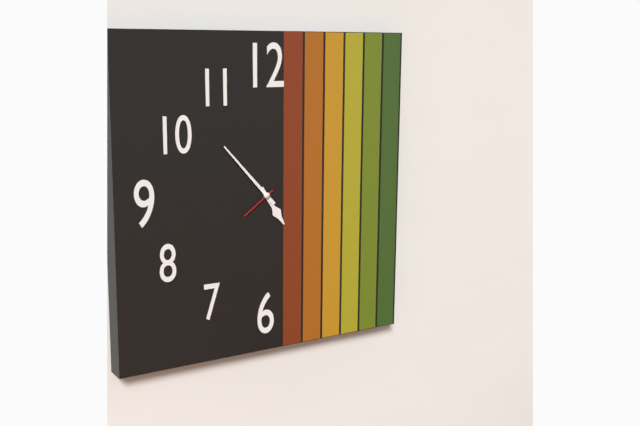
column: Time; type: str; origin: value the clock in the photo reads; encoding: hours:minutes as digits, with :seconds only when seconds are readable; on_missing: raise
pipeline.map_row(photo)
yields 4:53
